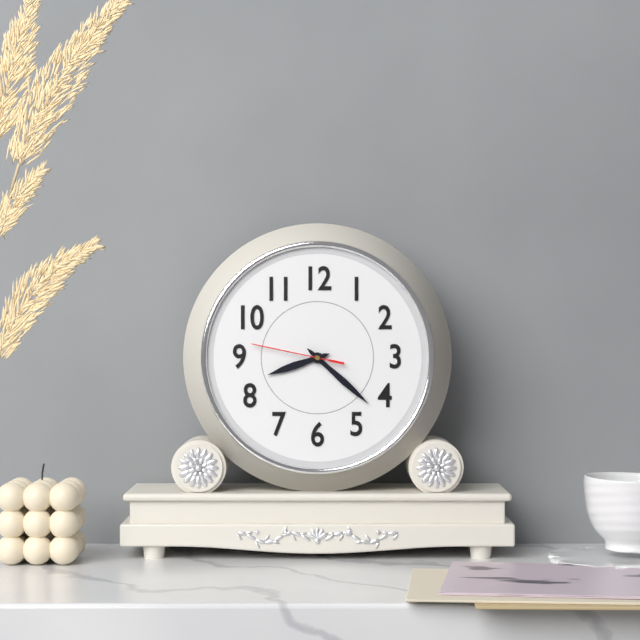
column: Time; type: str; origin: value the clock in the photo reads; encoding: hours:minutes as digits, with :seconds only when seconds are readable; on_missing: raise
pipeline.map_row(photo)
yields 8:22:47
